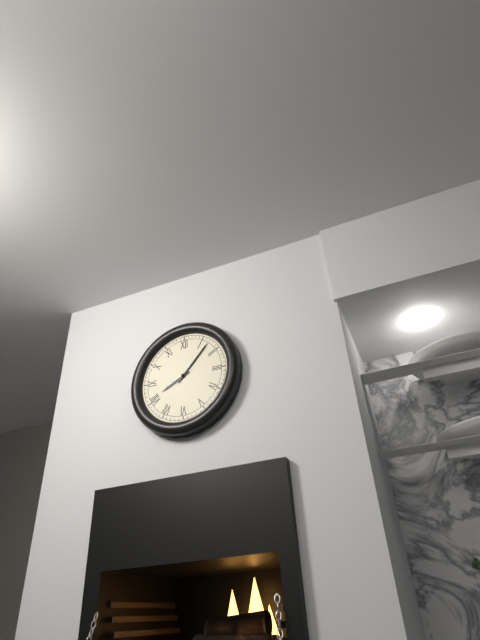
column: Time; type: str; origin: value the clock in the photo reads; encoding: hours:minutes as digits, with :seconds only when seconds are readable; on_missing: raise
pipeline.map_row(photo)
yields 8:07
